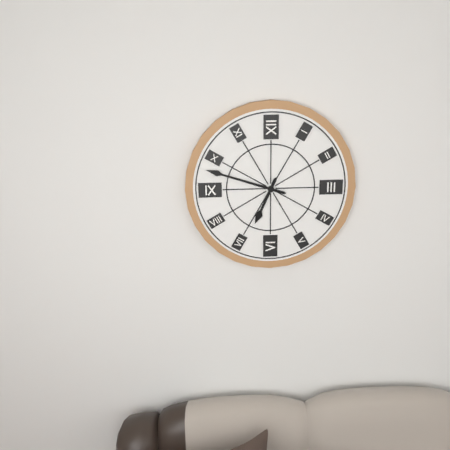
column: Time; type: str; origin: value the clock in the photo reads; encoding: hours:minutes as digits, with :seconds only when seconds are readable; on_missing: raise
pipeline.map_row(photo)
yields 6:48
